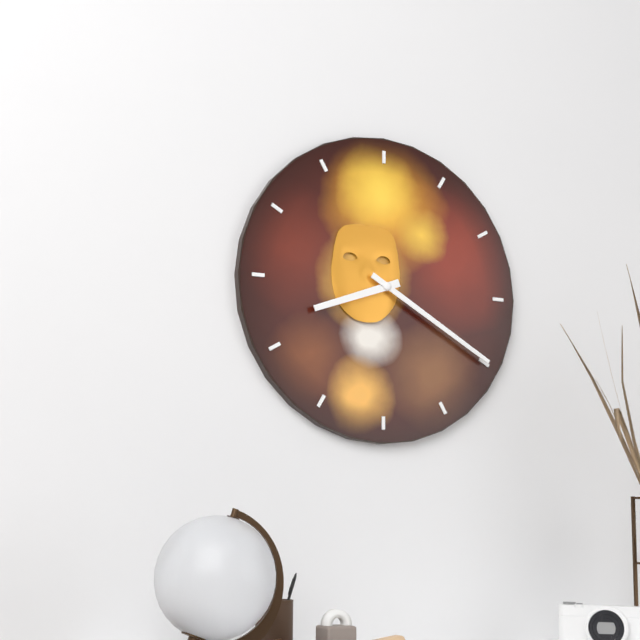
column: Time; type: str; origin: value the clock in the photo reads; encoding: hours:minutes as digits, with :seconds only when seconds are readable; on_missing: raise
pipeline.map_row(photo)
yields 8:20
